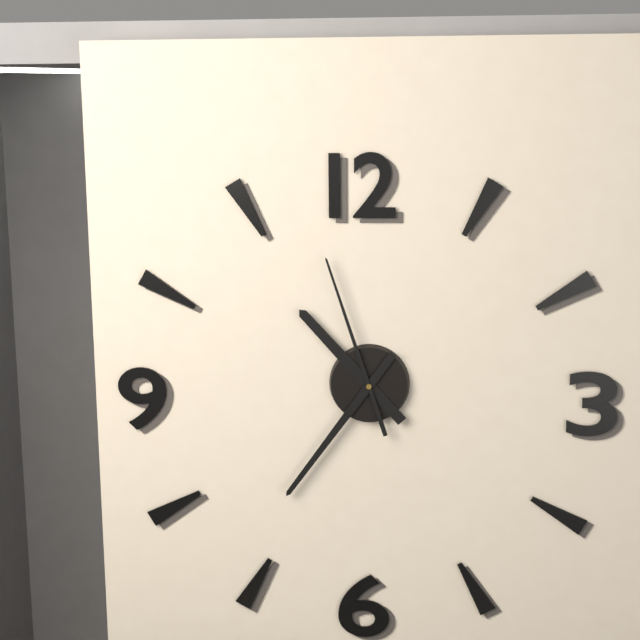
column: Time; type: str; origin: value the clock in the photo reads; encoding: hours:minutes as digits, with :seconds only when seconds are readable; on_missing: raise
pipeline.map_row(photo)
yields 10:36:57
